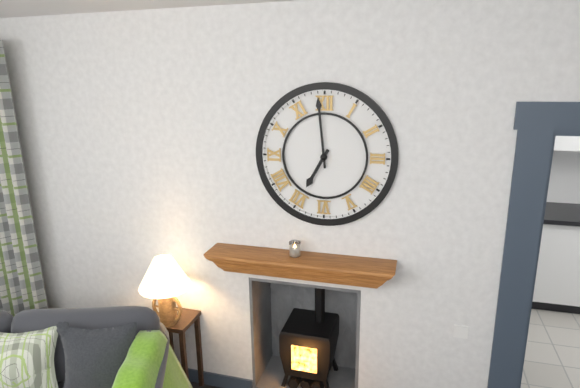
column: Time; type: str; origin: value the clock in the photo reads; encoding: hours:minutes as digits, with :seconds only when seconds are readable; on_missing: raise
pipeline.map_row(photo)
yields 6:59
